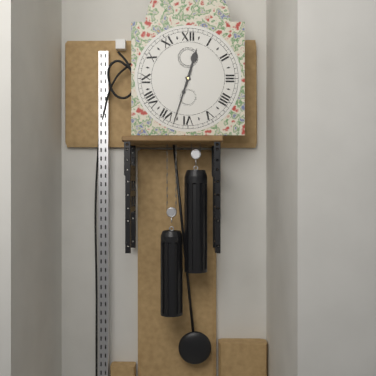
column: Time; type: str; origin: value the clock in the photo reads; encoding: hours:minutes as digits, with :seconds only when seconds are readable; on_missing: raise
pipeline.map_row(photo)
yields 12:33
